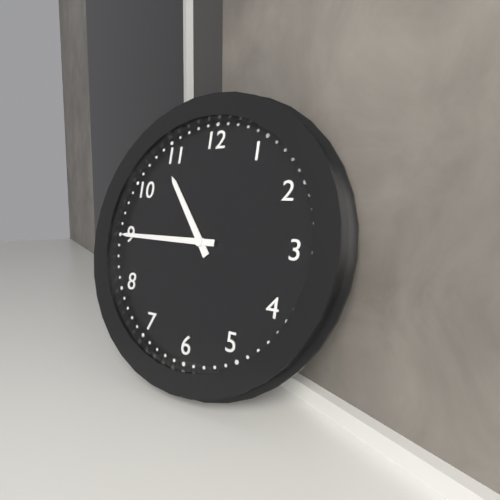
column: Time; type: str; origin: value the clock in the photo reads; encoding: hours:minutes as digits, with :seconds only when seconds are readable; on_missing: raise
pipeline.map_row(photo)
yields 10:45
